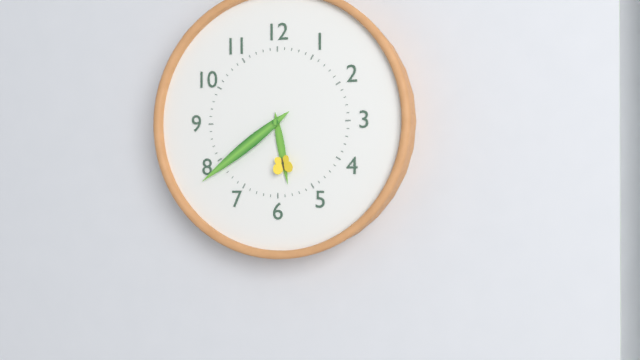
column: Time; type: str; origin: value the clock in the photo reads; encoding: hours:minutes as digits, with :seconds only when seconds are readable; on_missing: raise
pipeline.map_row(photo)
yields 5:39
